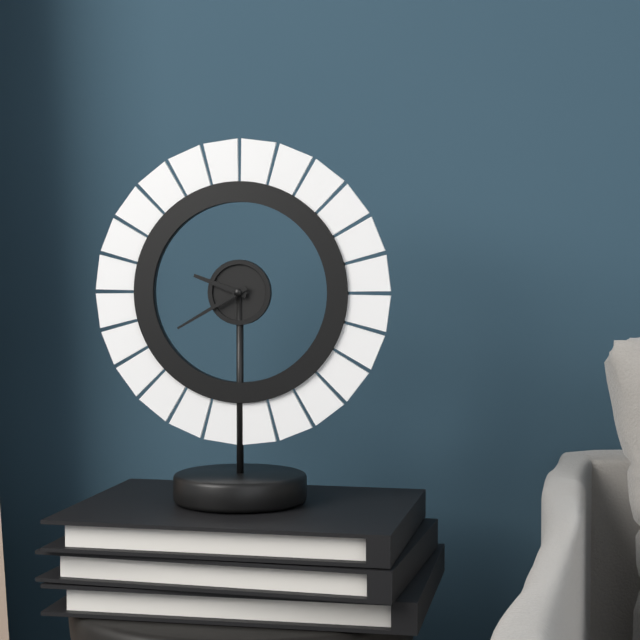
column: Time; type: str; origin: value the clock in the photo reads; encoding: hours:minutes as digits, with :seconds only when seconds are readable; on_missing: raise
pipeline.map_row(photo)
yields 9:40
